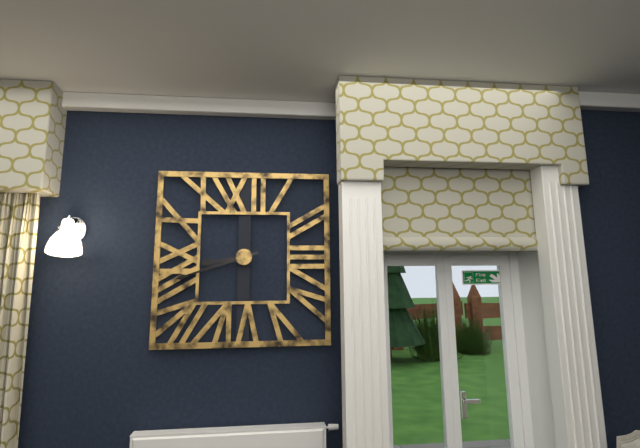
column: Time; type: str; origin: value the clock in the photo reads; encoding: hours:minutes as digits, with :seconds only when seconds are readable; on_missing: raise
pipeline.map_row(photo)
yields 8:42
